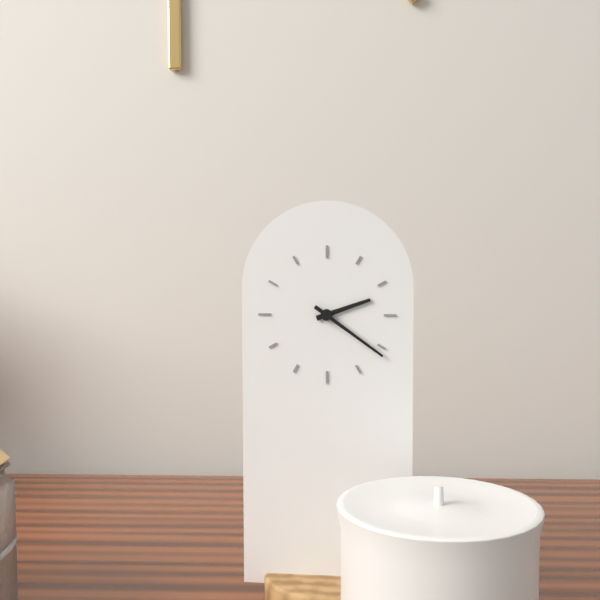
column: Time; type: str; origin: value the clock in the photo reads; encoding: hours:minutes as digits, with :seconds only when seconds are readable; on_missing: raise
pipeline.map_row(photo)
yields 2:21
